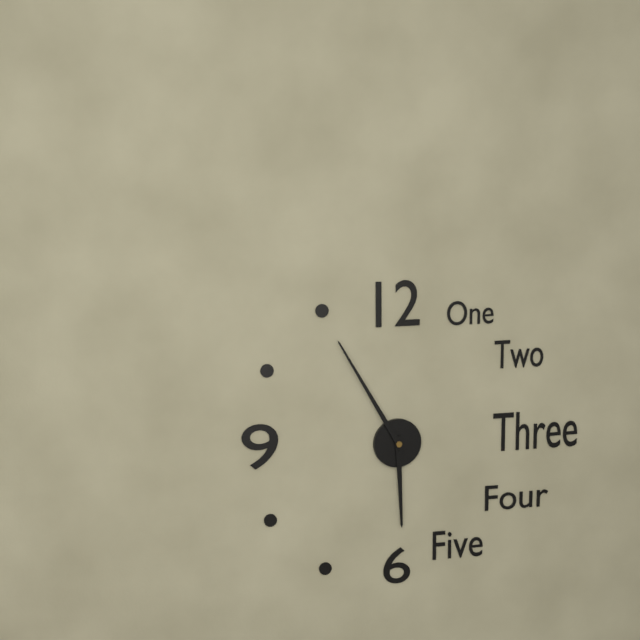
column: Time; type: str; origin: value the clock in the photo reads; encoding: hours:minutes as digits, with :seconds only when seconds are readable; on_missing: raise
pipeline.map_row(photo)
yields 5:55
